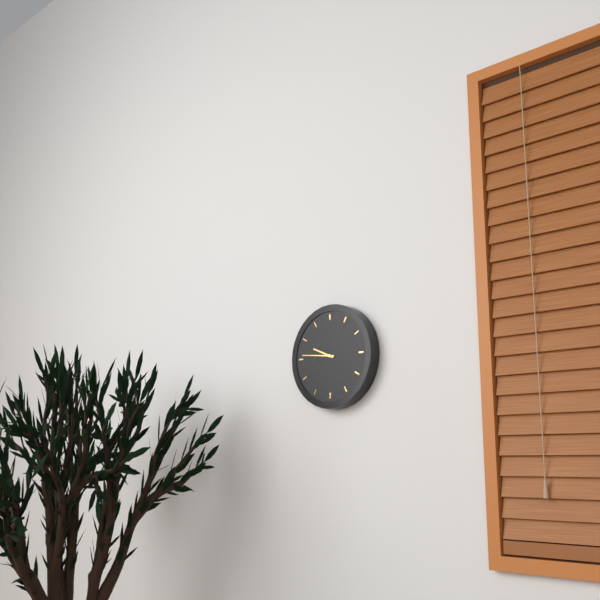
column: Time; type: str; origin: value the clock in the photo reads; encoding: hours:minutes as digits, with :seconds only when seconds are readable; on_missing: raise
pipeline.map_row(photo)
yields 9:46
